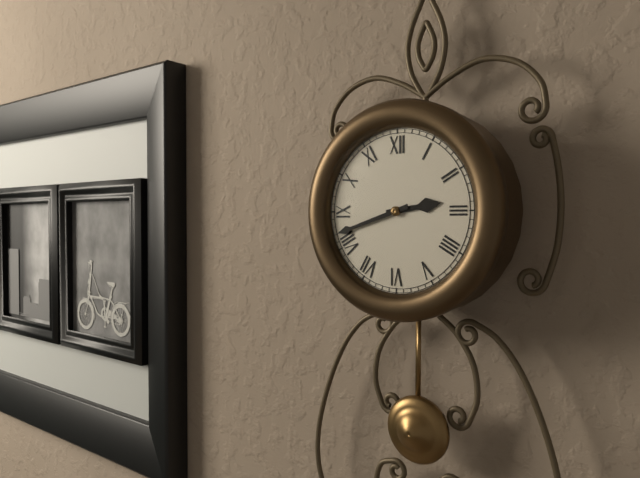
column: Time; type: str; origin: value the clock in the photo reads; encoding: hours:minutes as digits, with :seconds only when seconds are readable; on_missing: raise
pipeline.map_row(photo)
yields 2:42
